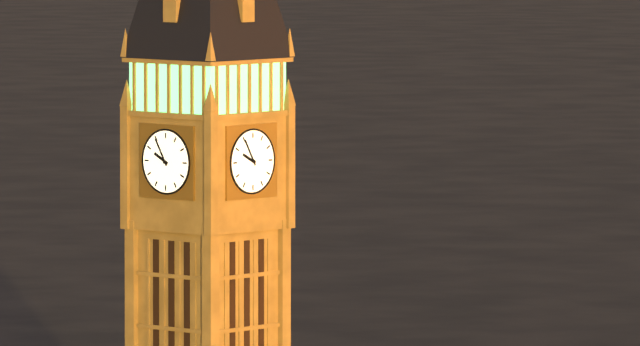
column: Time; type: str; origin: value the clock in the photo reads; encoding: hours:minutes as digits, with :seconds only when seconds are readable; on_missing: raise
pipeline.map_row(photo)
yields 9:55
